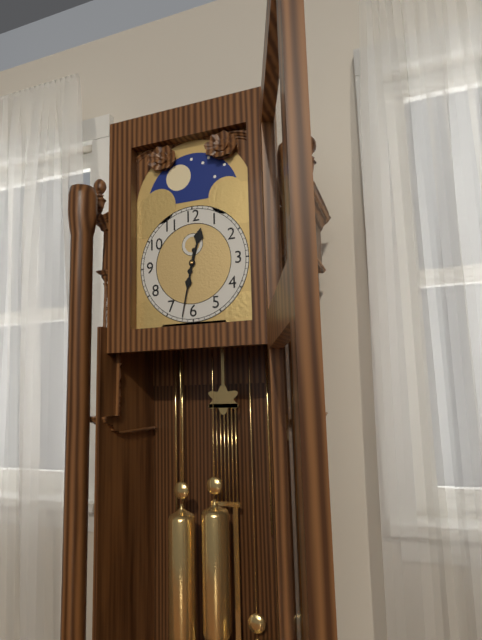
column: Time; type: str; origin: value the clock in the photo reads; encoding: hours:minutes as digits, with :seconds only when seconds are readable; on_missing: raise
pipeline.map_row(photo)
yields 12:32
